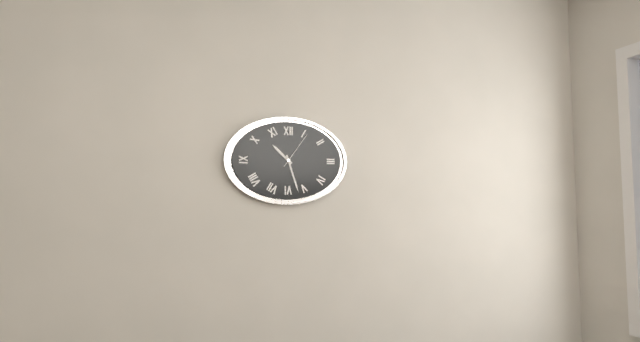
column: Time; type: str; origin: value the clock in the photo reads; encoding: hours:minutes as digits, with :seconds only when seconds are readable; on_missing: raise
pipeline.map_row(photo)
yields 10:27
